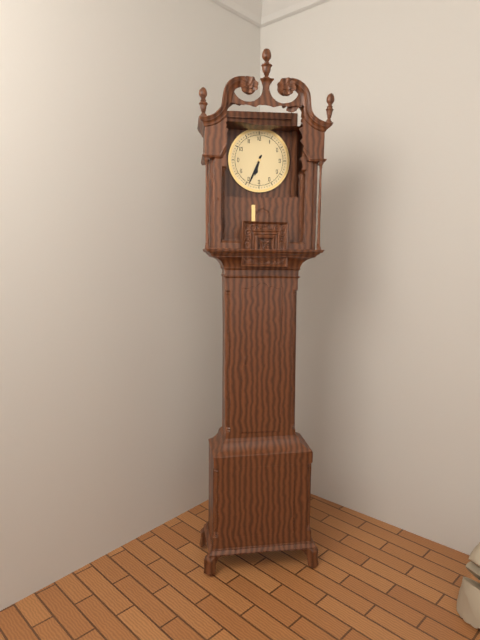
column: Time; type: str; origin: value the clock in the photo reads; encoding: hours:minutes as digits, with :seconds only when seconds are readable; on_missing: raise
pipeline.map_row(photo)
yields 6:34
